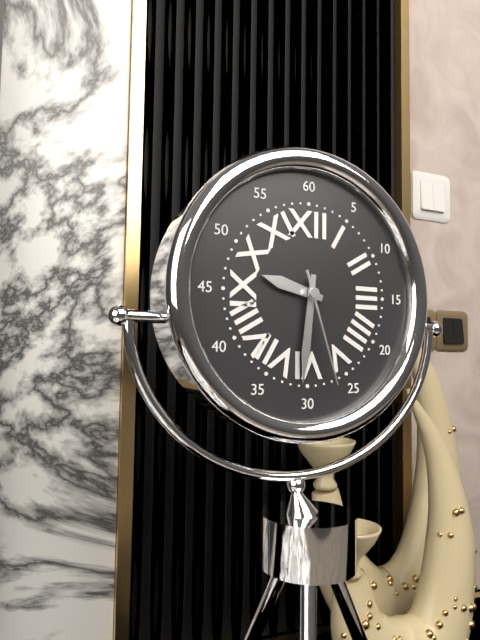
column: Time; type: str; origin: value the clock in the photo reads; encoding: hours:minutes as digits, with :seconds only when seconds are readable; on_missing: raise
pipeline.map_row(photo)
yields 9:31:27
